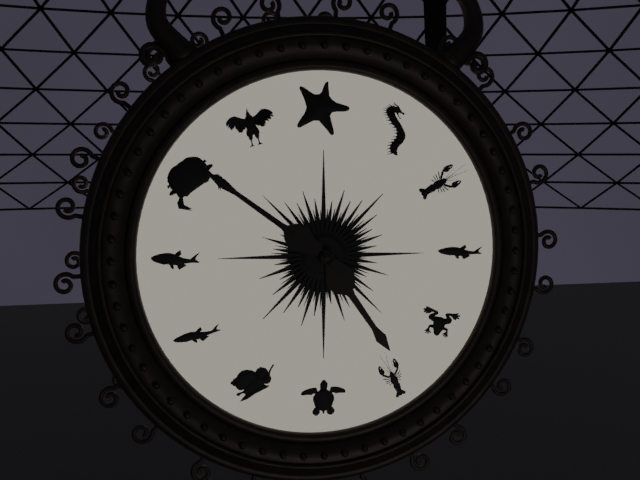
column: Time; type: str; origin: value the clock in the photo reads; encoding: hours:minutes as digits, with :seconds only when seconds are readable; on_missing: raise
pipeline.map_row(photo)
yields 4:51
